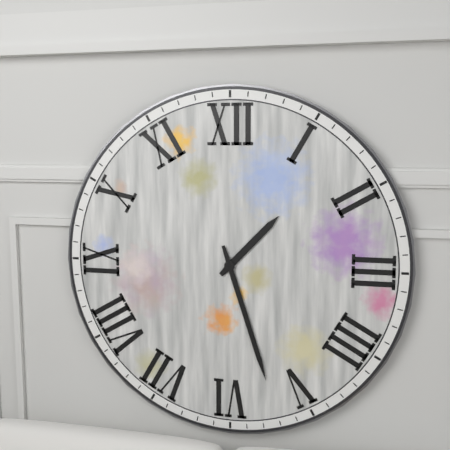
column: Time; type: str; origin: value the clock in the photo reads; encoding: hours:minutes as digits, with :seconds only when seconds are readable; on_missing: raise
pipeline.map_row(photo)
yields 1:27
